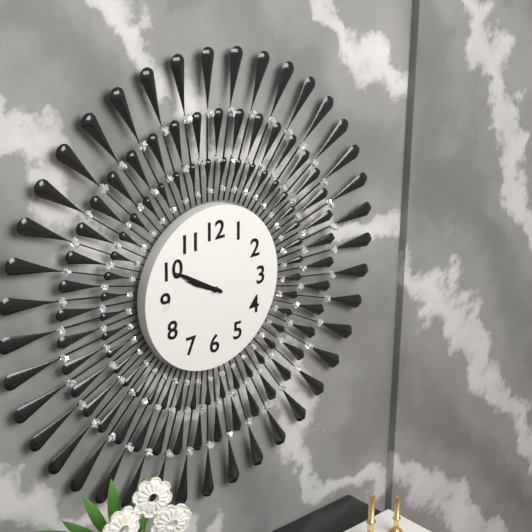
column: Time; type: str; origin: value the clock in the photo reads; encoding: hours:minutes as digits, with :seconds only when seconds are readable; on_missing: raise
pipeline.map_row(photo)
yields 9:50
